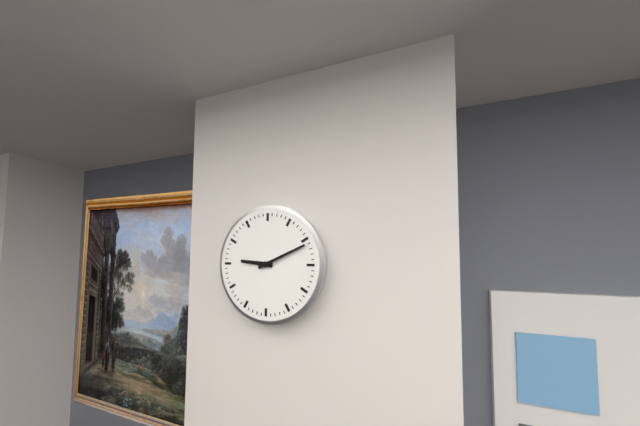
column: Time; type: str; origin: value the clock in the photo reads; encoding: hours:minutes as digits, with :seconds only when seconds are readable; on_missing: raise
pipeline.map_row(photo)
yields 9:11
